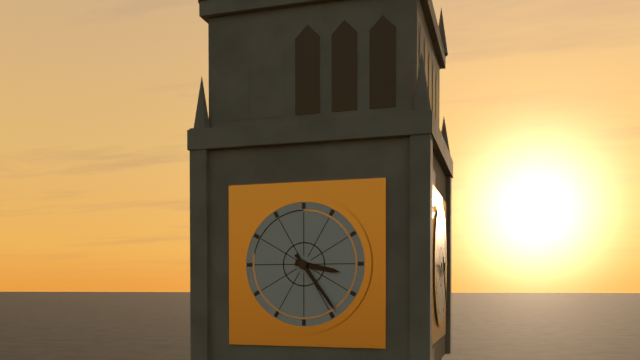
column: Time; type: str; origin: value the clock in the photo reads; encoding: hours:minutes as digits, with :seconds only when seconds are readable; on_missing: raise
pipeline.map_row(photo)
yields 3:24
